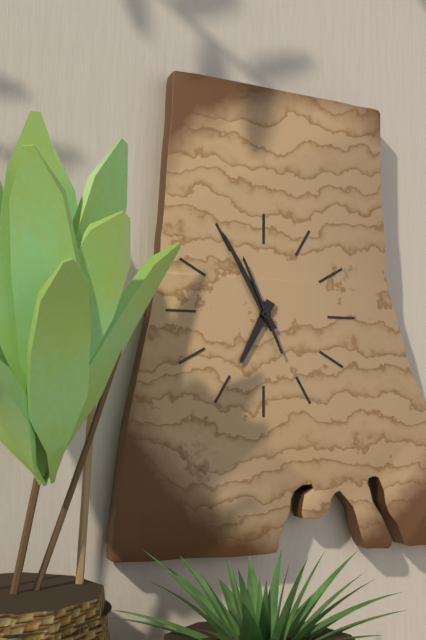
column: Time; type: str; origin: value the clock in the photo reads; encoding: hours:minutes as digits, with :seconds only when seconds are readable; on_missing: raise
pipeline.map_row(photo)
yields 6:55:56
